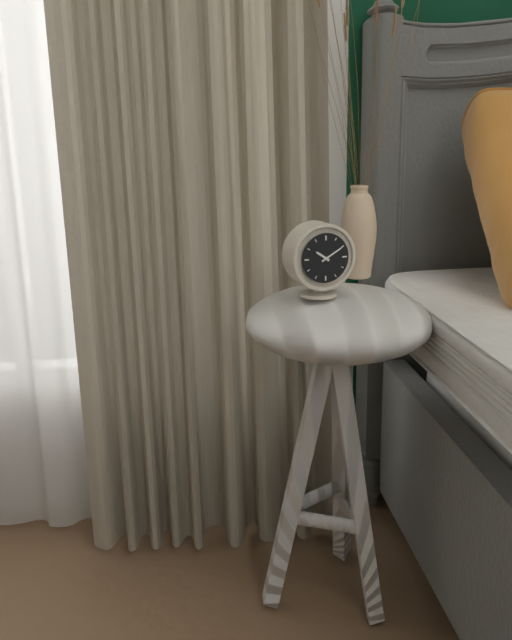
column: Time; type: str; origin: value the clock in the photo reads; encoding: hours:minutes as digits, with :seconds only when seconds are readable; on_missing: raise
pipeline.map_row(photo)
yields 10:10
